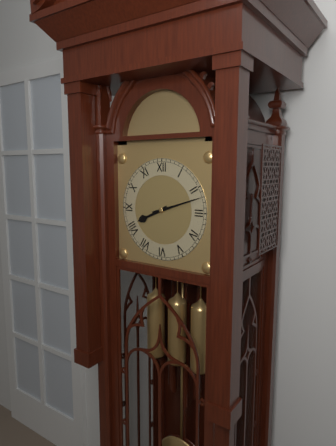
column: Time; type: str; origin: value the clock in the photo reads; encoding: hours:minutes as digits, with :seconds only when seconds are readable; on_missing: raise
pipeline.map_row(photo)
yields 8:12
